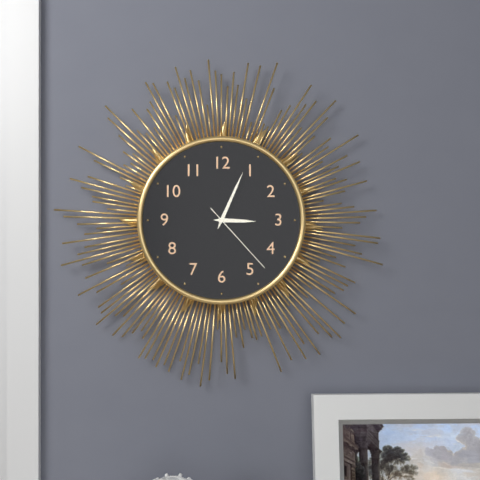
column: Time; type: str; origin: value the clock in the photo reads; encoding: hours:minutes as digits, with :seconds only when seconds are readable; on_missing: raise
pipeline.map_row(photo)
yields 3:04:23
